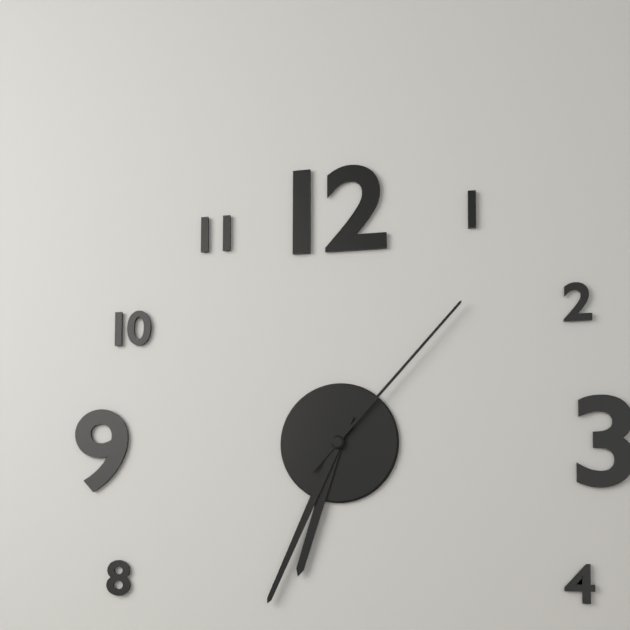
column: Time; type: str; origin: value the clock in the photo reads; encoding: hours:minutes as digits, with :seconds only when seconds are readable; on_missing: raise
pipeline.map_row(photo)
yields 6:34:07
